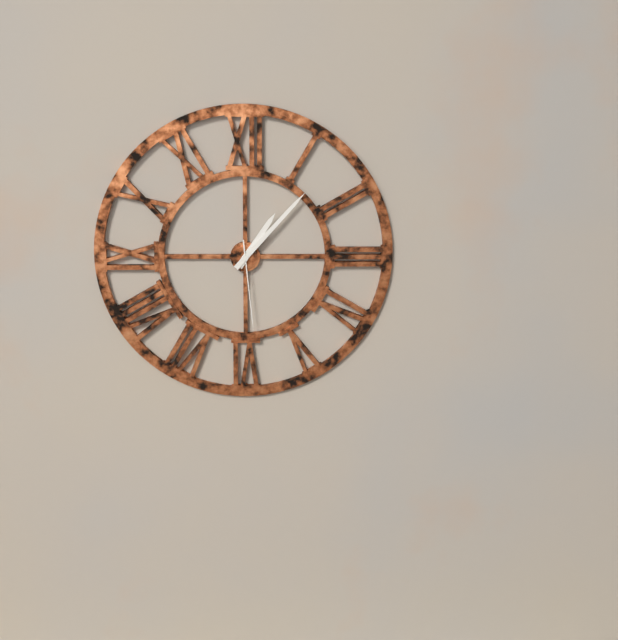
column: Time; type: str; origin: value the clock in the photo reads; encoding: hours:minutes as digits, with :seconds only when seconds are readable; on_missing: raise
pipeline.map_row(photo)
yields 1:07:29
